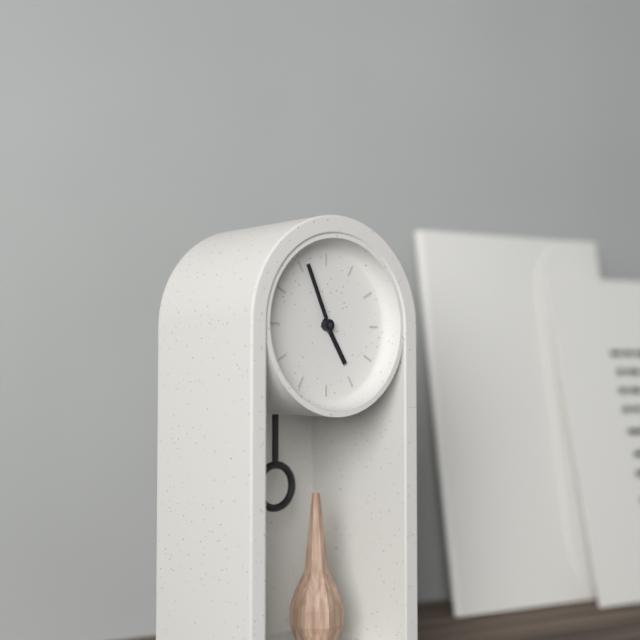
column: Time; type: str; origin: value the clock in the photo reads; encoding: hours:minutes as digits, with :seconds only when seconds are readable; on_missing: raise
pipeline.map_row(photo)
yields 4:56
